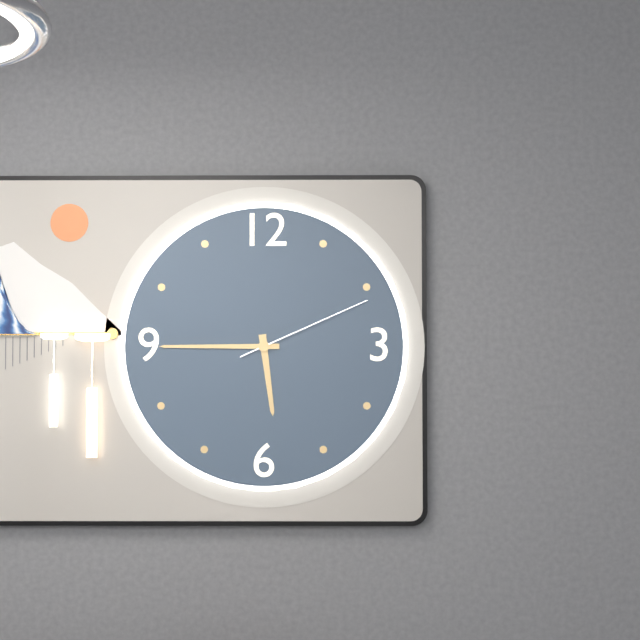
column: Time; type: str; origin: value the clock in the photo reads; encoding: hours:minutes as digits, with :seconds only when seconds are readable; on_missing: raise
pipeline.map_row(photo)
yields 5:45:11
